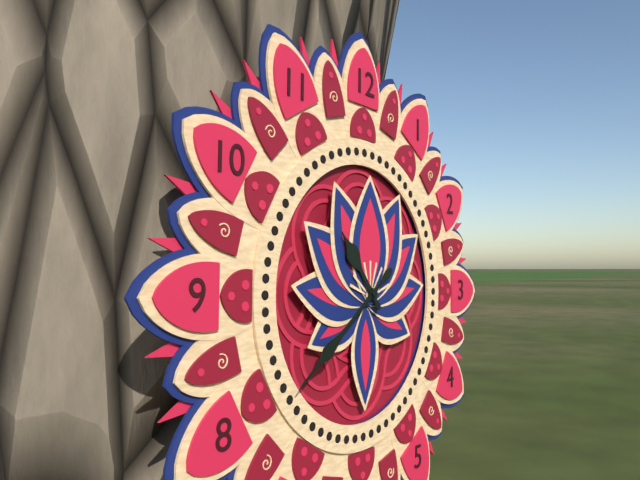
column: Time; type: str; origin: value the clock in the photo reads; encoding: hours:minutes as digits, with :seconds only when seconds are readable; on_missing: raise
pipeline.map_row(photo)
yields 10:39
